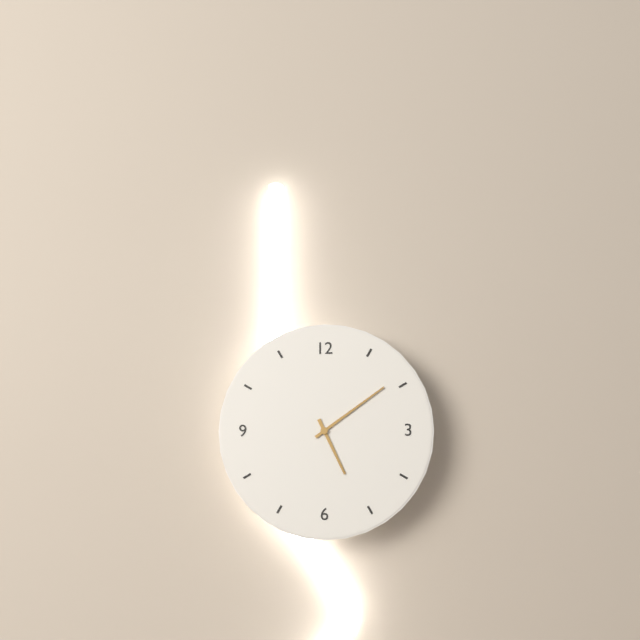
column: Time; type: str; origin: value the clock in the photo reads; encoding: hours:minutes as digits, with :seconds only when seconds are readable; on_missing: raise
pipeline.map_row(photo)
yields 5:09
